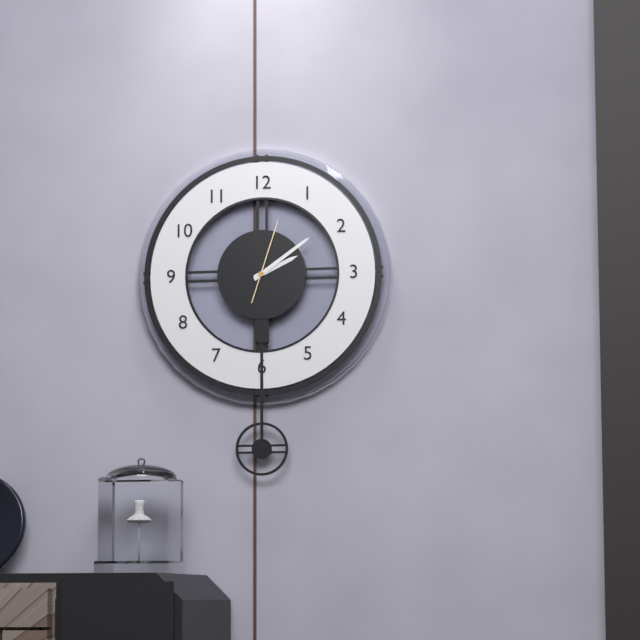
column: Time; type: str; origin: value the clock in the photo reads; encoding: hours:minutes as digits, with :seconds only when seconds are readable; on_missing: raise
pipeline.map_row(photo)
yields 2:09:03
